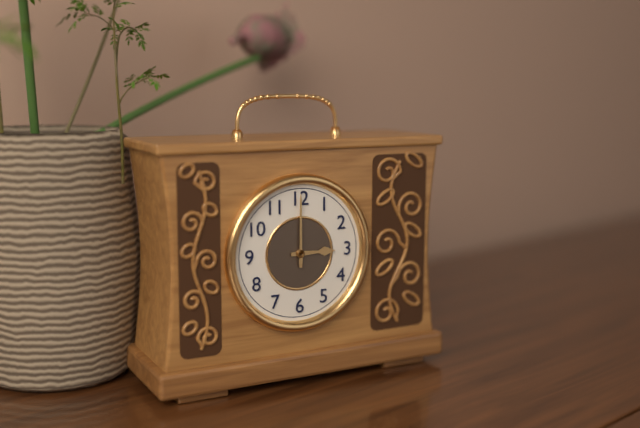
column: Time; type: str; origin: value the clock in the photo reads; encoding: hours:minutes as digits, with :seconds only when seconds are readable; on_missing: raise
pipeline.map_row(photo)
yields 3:00
